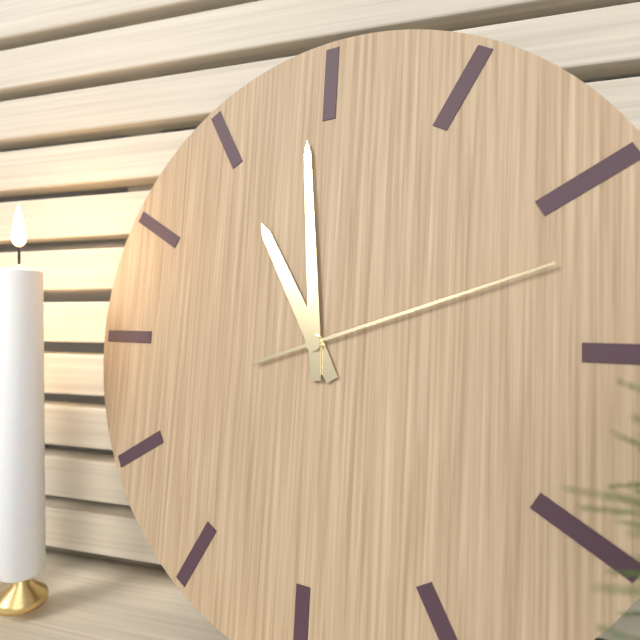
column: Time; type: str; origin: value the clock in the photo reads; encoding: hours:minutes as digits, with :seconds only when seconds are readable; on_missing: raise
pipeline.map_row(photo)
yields 10:59:12
